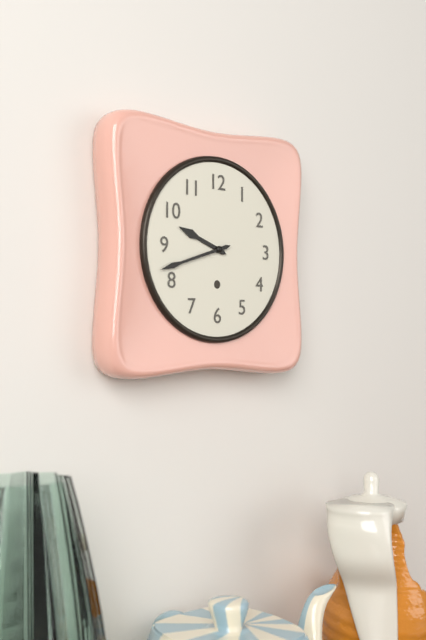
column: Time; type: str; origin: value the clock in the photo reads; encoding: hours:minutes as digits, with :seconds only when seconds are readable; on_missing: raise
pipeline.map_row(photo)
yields 9:42
